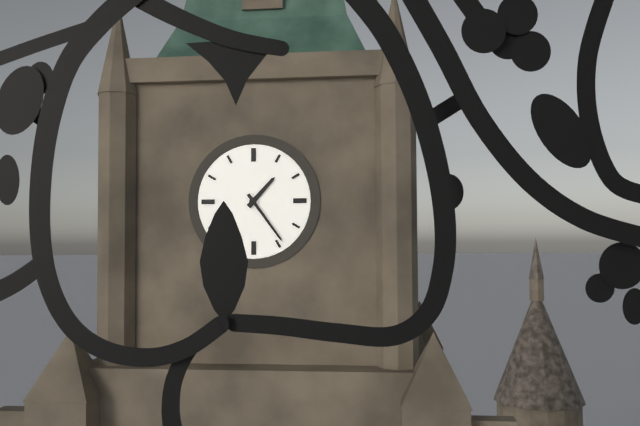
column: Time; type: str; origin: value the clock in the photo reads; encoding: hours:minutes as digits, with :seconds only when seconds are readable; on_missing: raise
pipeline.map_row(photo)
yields 1:24
